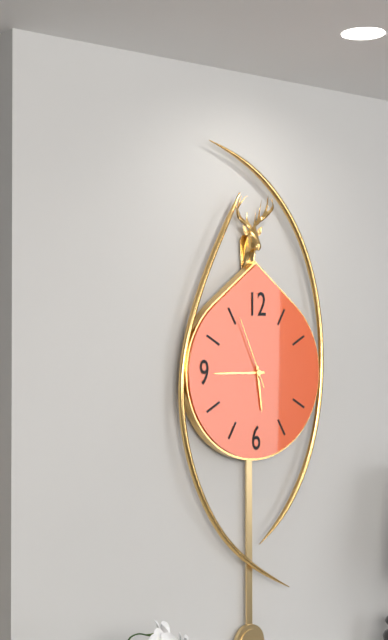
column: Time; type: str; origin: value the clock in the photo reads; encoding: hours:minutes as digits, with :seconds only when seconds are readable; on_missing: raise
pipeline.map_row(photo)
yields 5:45:56
